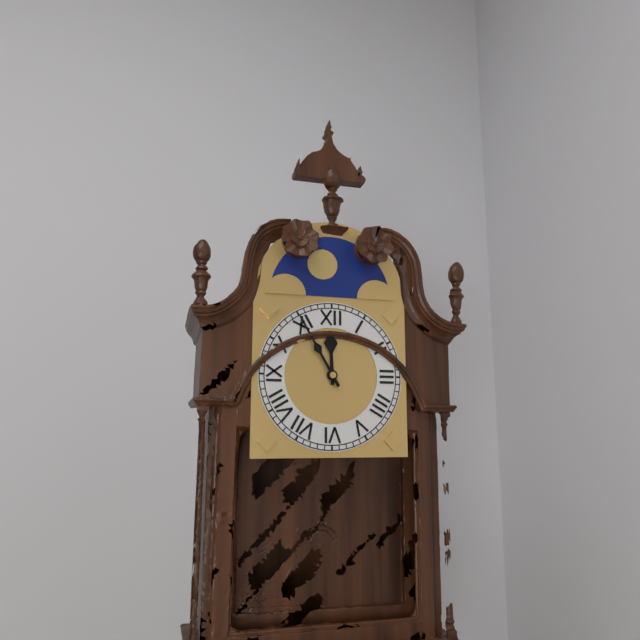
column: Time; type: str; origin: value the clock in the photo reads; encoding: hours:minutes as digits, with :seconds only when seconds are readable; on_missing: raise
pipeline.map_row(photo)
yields 11:55
